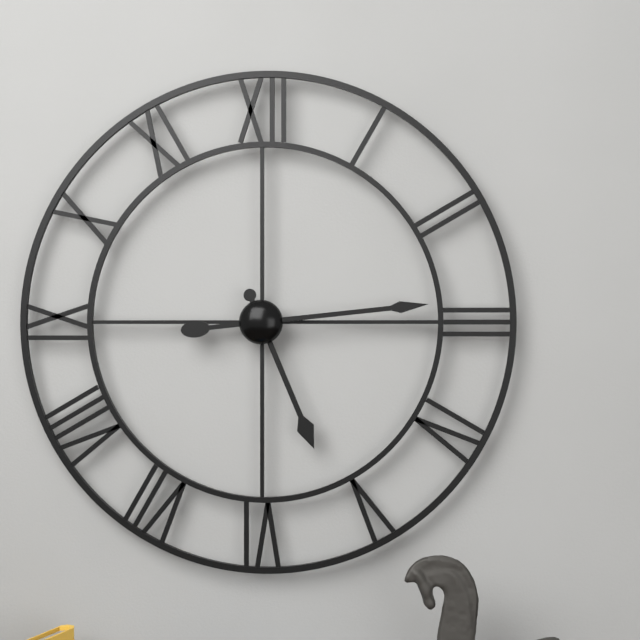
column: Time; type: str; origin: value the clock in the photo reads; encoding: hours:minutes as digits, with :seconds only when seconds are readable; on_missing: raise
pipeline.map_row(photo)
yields 5:14
